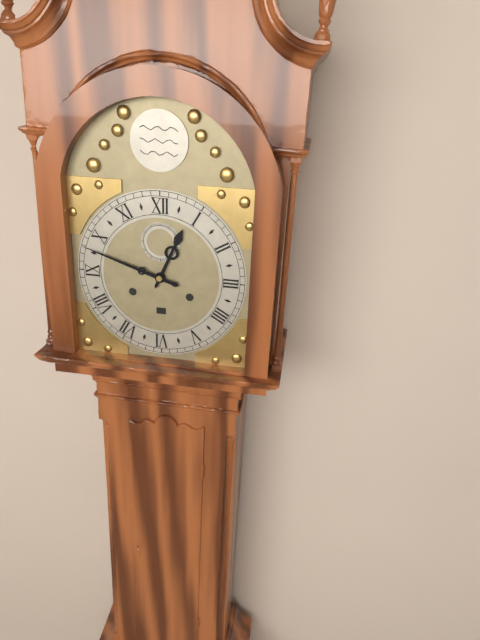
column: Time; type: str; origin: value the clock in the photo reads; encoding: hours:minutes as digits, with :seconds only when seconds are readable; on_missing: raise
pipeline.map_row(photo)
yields 12:48
